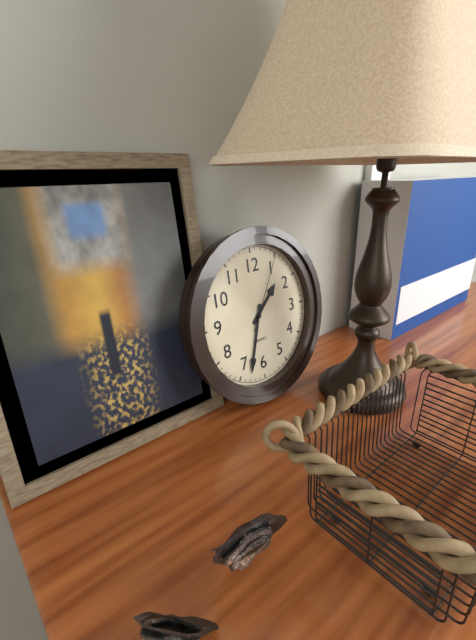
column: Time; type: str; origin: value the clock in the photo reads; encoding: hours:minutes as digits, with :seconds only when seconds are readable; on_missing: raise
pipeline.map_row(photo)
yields 1:33:05
